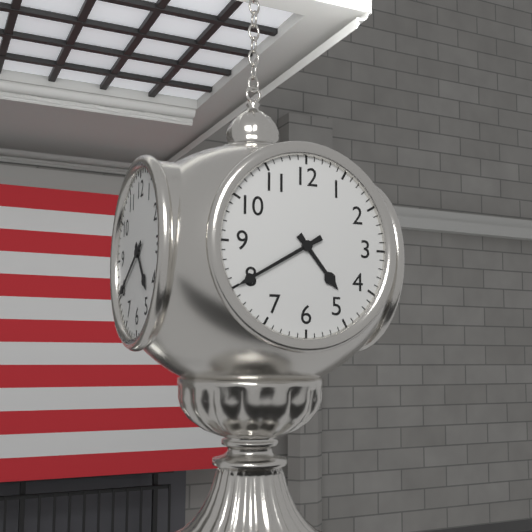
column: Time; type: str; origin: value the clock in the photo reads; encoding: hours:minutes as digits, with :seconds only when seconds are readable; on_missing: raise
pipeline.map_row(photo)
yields 4:40
